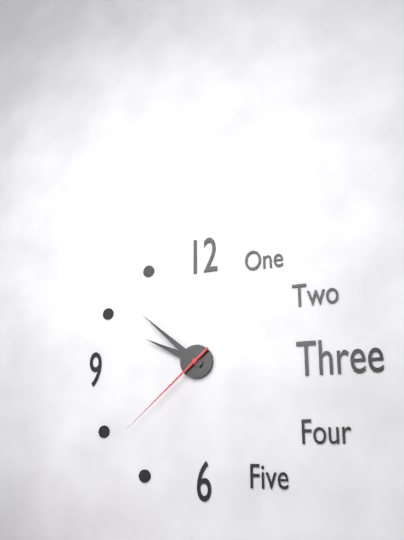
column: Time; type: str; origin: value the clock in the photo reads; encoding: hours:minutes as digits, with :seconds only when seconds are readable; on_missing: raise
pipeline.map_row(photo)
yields 9:52:38
